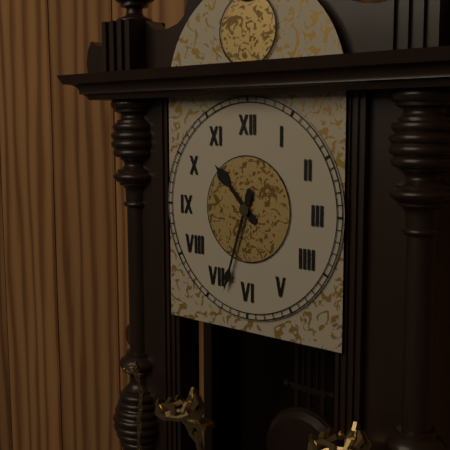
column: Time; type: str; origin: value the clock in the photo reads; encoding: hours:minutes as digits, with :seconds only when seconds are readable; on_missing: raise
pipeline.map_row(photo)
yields 10:33
